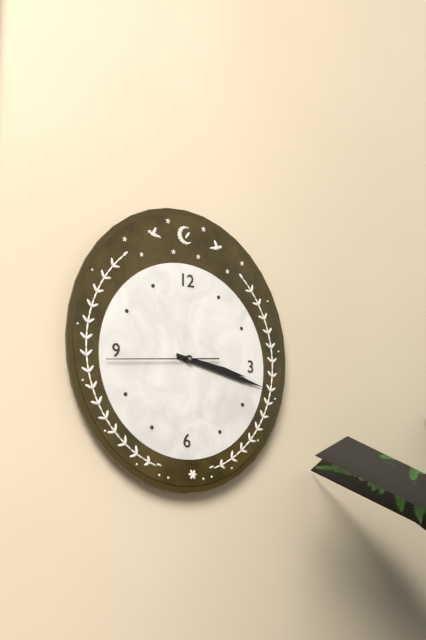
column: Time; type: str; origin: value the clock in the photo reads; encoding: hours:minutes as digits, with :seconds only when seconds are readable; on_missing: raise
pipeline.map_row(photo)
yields 3:17:44
